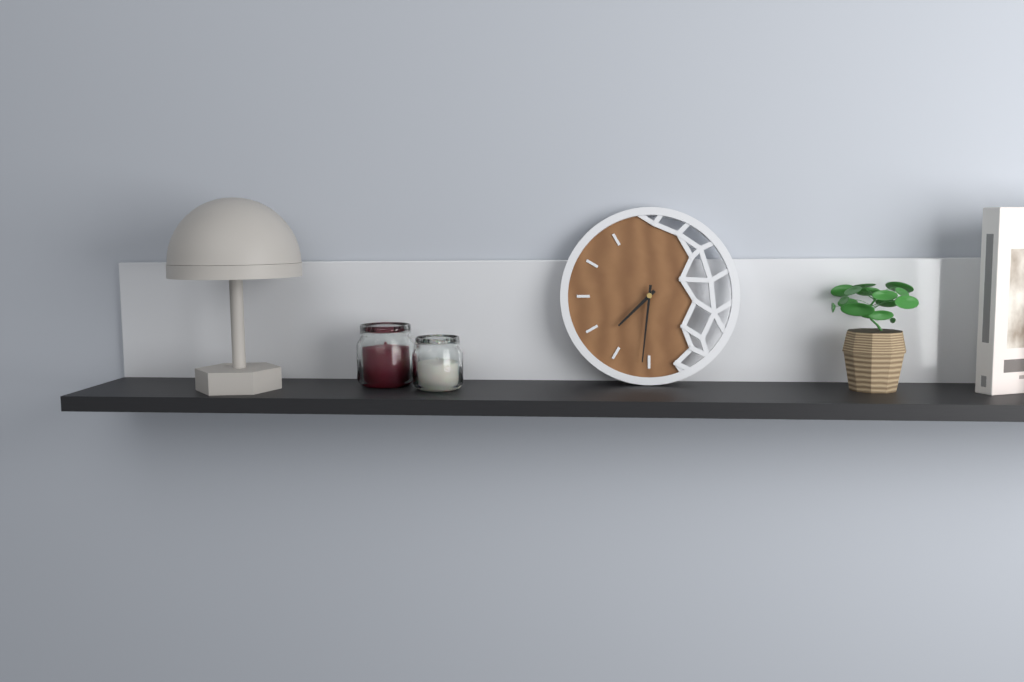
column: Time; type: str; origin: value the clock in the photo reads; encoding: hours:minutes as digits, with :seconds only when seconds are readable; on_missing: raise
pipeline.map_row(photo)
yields 7:31
